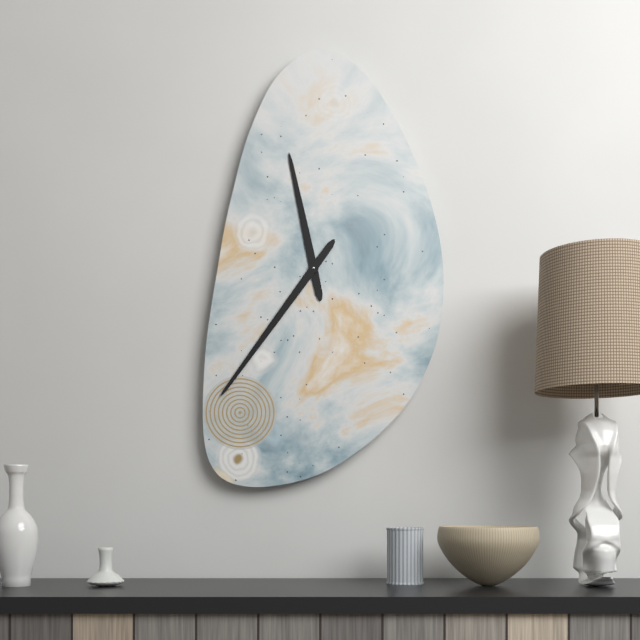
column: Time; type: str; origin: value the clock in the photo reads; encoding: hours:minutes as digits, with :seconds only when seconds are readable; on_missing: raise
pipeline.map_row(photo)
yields 11:36
